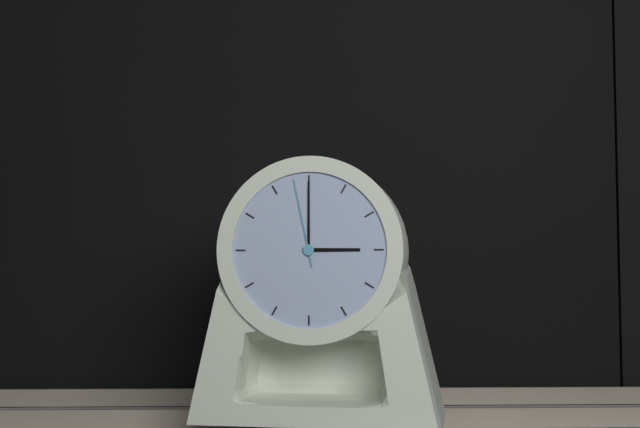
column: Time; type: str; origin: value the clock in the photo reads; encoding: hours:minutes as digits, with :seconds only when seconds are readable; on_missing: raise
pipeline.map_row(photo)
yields 3:00:58
